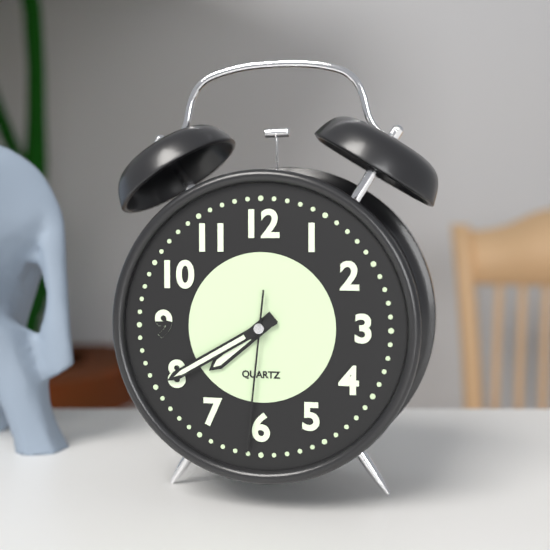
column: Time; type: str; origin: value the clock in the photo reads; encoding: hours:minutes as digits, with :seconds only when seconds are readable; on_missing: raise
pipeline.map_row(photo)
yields 7:40:31
